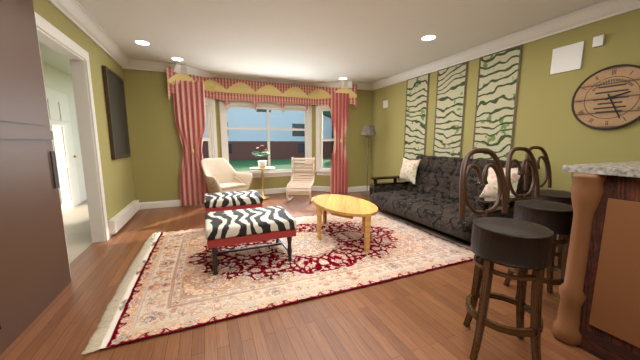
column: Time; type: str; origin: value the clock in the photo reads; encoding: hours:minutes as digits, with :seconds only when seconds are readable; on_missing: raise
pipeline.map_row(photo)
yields 2:26
